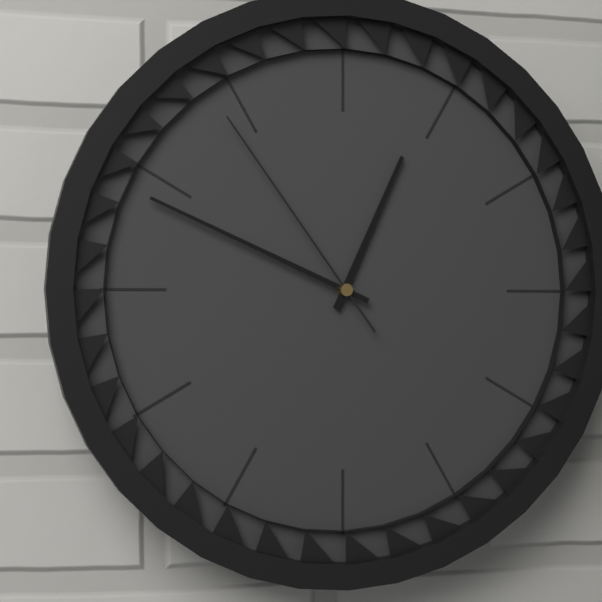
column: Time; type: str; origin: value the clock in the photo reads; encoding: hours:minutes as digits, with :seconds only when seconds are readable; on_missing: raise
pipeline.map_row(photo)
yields 12:49:54
